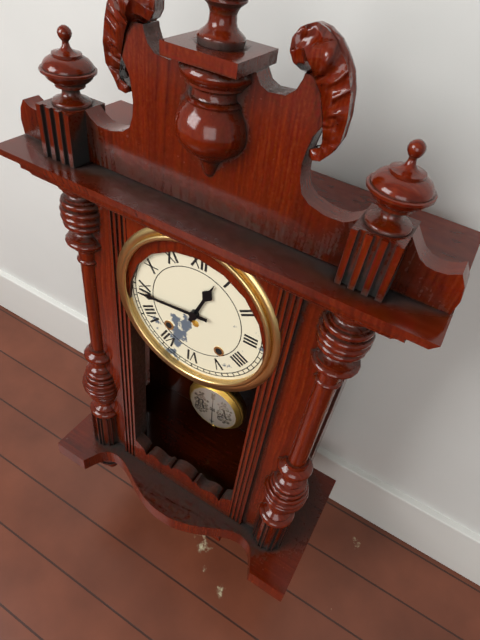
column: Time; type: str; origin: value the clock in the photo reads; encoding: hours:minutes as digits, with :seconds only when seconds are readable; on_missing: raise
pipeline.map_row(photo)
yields 12:44
